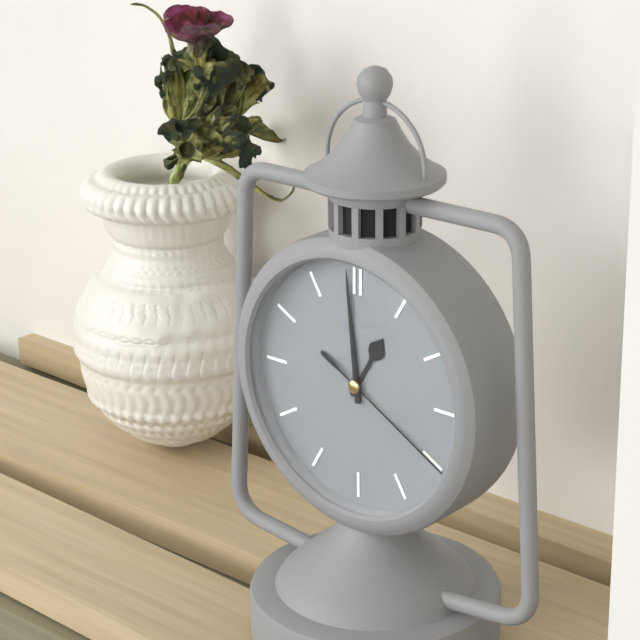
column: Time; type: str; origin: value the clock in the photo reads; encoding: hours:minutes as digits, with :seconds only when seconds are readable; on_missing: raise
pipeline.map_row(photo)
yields 12:59:20
